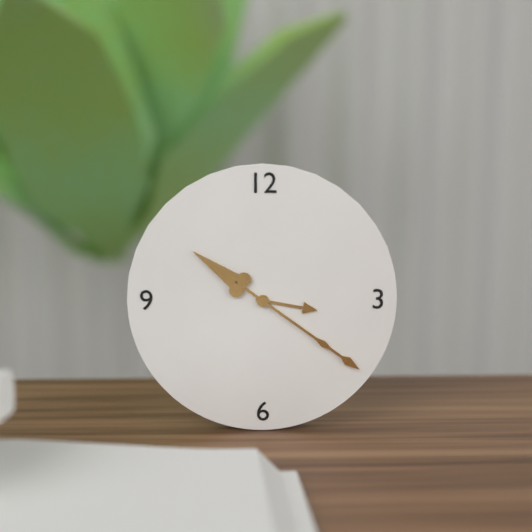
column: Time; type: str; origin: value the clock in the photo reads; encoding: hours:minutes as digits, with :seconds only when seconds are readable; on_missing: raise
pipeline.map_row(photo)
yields 3:21
